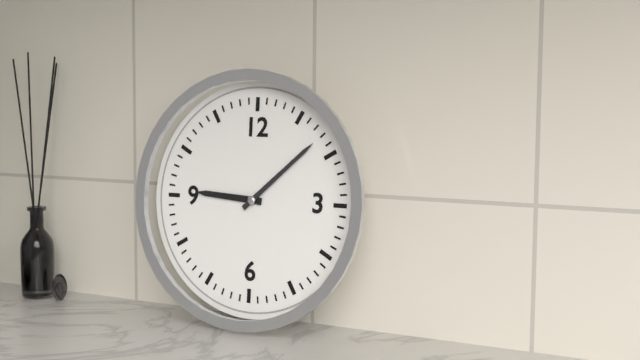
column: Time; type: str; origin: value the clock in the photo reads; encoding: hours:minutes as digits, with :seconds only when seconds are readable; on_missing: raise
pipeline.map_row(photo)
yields 9:08
